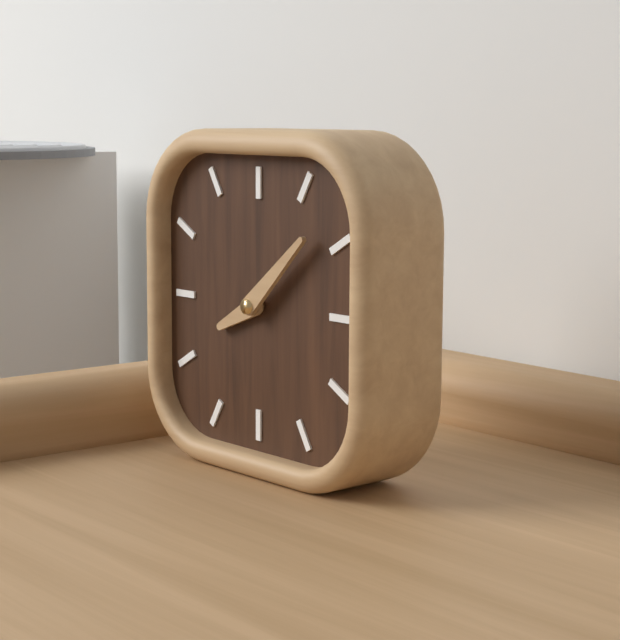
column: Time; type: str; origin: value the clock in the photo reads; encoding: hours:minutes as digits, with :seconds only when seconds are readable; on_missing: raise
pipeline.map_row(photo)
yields 8:08
